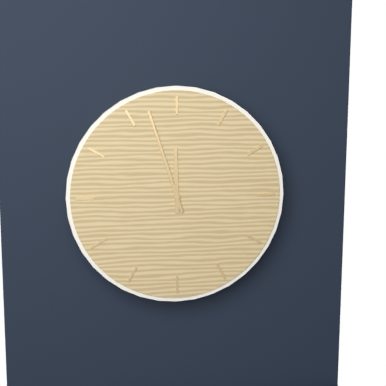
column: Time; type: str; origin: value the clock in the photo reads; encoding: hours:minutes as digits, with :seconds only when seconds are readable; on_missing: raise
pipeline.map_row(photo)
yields 11:57
